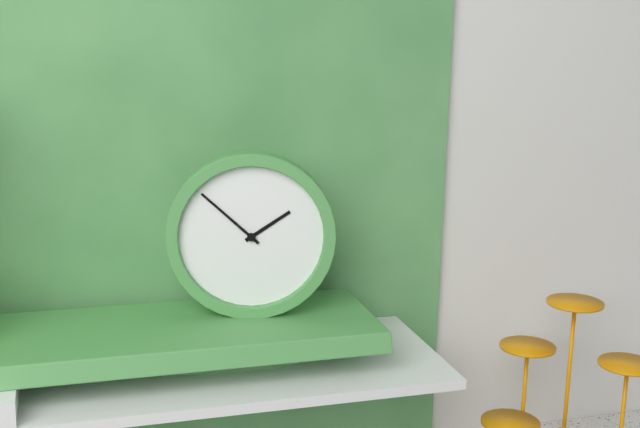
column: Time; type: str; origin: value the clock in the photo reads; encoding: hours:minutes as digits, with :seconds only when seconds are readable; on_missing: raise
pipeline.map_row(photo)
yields 1:52
